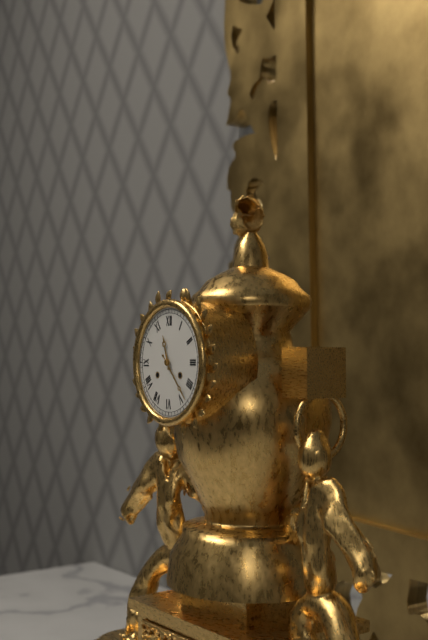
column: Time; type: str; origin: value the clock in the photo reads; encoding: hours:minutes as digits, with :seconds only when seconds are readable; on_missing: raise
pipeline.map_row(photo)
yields 11:23
